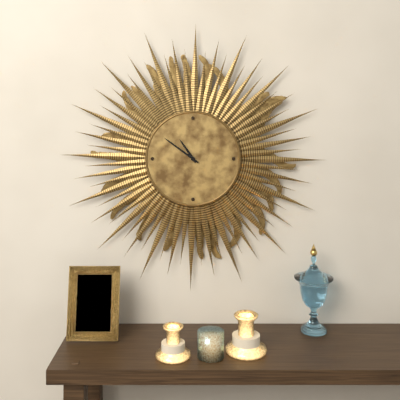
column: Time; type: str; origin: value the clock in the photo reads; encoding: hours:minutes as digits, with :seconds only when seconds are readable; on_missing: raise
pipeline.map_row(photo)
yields 10:51
